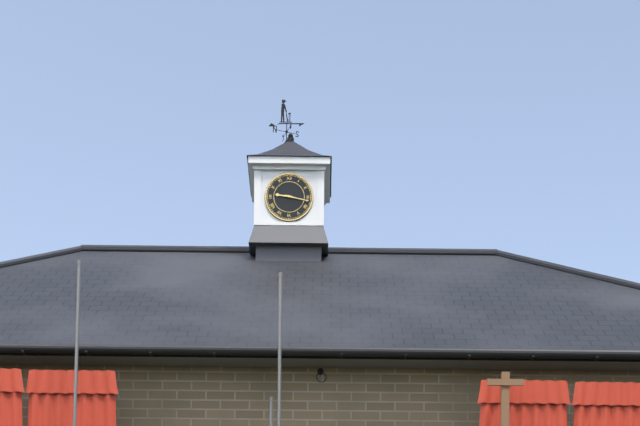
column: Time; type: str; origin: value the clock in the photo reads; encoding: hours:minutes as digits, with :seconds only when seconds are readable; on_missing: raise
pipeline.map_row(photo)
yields 9:17
